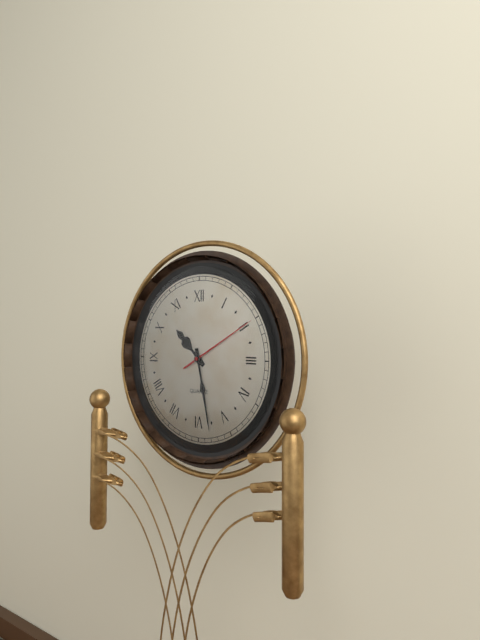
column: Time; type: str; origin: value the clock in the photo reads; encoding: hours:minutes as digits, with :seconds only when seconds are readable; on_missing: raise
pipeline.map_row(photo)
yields 10:28:10
